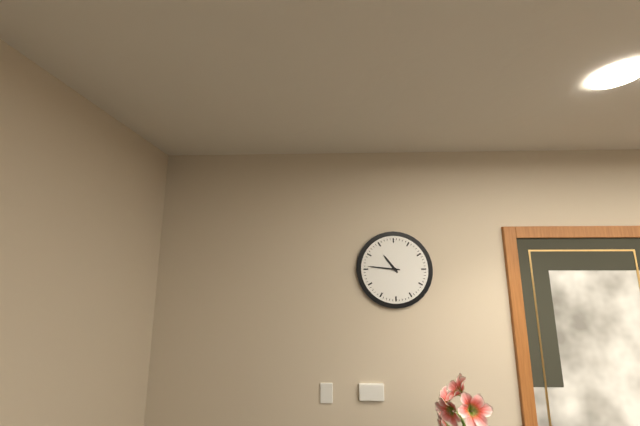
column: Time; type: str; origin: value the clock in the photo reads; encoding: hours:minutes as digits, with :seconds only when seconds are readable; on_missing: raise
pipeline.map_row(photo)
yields 10:46
